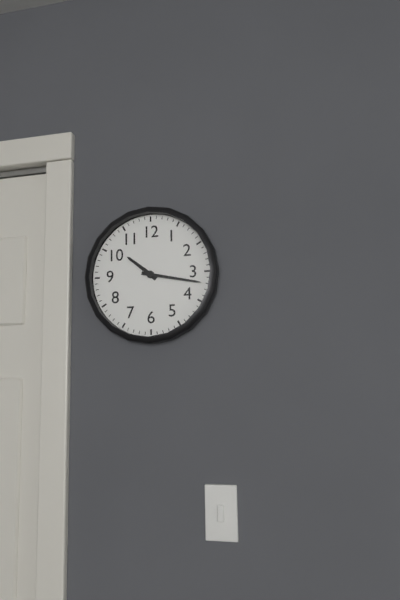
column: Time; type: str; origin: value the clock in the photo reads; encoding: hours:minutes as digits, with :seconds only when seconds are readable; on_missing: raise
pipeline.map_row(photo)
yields 10:17
